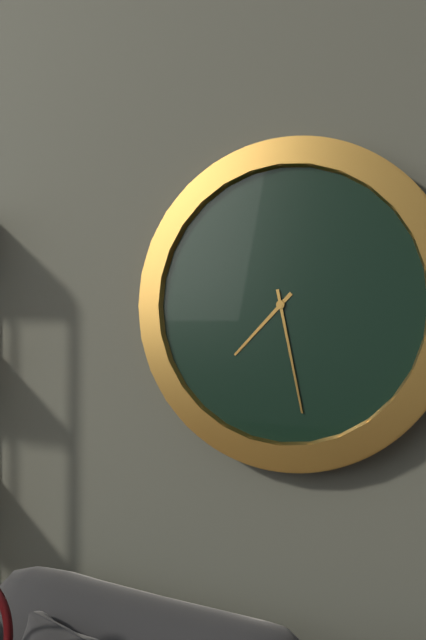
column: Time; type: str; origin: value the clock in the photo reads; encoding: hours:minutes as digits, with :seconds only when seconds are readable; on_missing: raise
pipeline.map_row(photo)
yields 7:28
